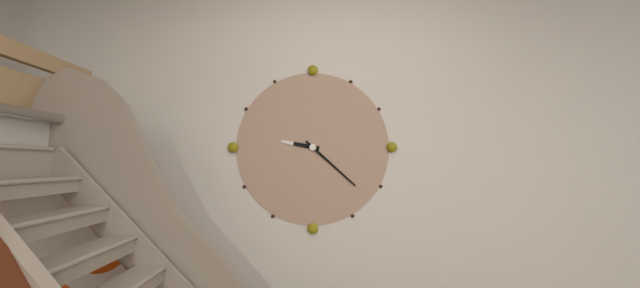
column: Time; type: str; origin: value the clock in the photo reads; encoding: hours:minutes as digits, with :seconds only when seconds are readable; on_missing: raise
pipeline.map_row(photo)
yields 9:22
